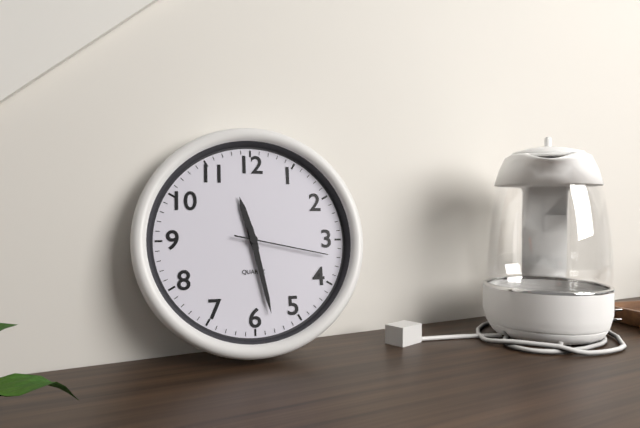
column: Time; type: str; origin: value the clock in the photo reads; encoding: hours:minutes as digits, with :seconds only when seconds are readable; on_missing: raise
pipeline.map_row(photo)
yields 11:28:17
